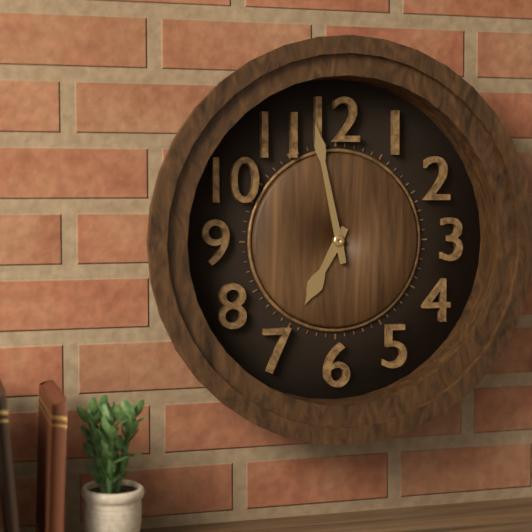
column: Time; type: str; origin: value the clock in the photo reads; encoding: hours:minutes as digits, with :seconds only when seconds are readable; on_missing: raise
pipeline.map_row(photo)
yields 6:58
